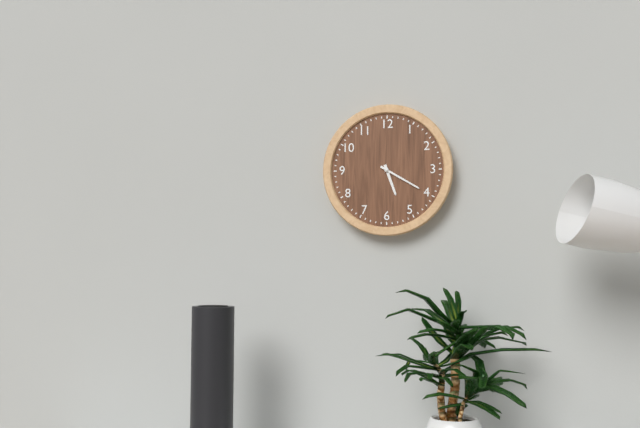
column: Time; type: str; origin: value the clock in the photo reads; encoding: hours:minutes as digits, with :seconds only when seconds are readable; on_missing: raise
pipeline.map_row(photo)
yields 5:20
